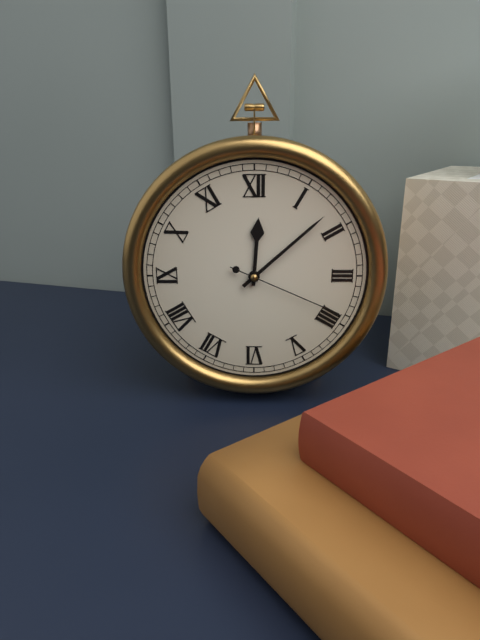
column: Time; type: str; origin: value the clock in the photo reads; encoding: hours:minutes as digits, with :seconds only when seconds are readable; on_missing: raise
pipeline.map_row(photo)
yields 12:08:19
